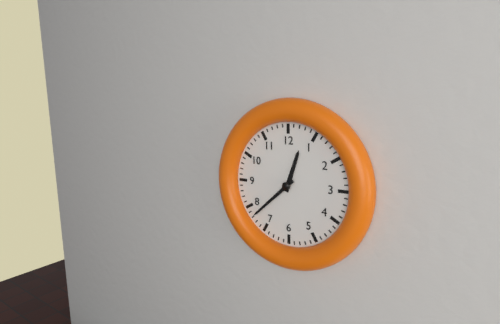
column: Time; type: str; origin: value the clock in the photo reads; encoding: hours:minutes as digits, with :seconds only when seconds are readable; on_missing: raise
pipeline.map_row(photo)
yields 12:38
